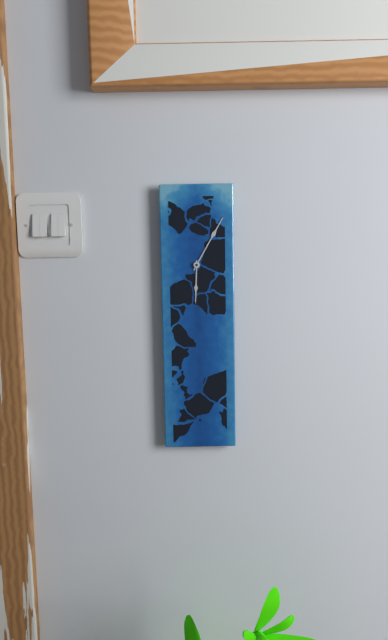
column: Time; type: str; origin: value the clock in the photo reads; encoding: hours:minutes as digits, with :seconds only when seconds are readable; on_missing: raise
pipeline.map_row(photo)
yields 6:05
